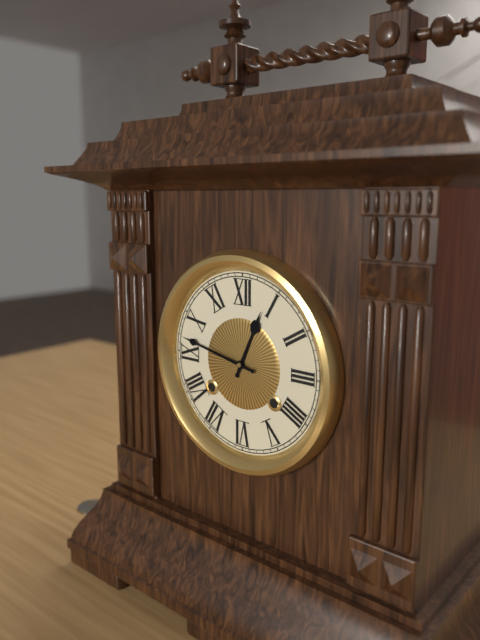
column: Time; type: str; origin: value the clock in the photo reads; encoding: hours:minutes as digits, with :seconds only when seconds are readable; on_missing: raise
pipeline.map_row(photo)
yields 12:47
